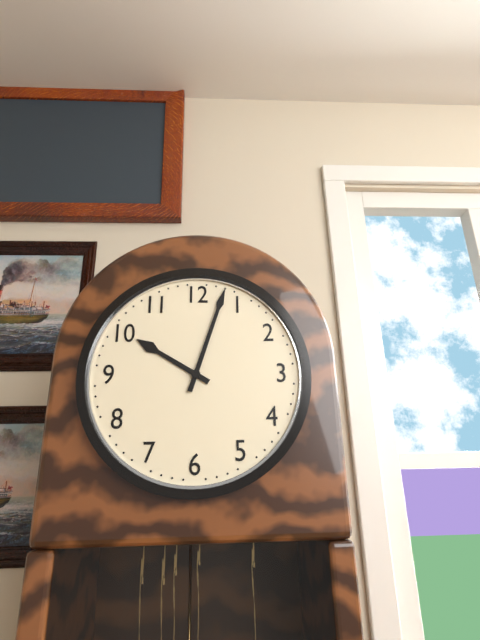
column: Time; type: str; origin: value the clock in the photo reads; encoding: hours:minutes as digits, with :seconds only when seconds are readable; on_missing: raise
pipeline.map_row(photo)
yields 10:03
